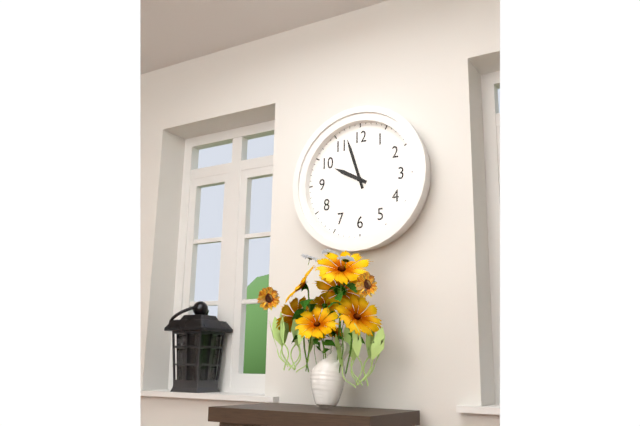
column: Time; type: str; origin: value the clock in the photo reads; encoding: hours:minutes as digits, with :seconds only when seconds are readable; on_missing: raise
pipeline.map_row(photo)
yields 9:57
